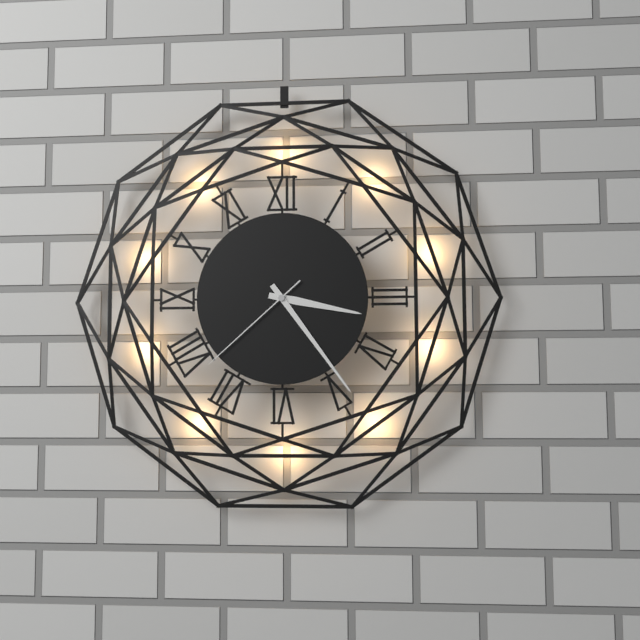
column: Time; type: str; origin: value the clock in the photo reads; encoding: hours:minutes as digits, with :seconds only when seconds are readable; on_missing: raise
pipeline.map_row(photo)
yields 3:24:38
